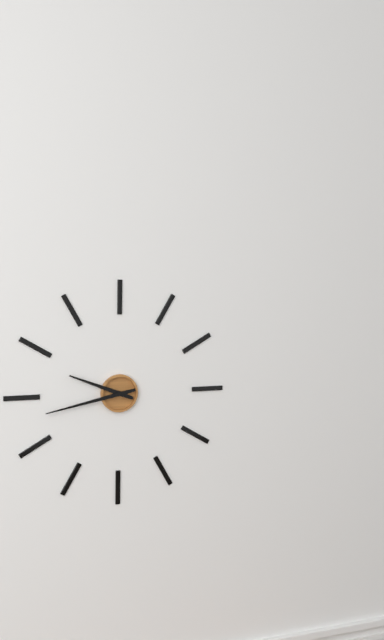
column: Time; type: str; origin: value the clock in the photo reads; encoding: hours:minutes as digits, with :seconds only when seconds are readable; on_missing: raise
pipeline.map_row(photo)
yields 9:43
